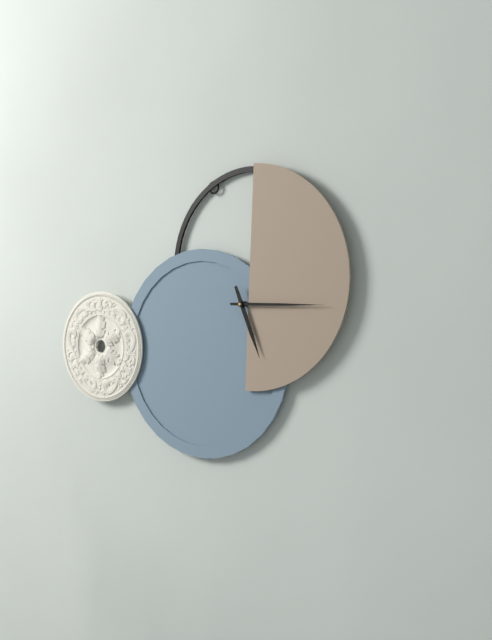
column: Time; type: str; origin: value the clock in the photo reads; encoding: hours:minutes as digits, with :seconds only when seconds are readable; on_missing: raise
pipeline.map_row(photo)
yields 5:15
